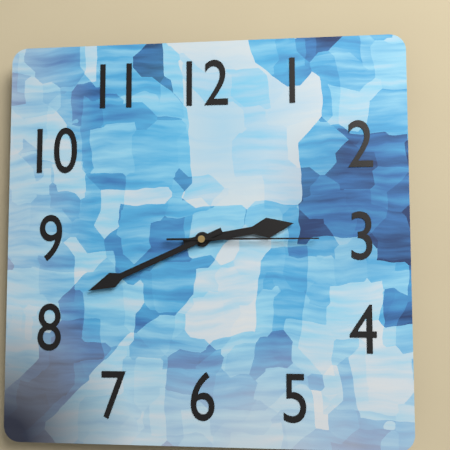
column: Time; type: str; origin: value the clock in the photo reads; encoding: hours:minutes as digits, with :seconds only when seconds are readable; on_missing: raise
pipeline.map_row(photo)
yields 2:41:15
